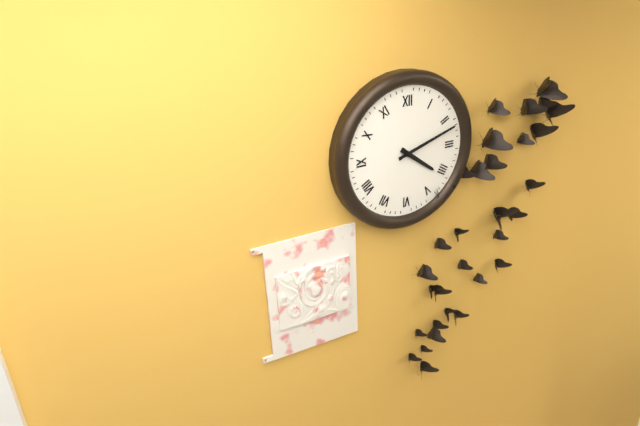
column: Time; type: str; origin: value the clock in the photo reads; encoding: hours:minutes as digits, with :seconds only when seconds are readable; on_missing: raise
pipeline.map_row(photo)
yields 4:12
